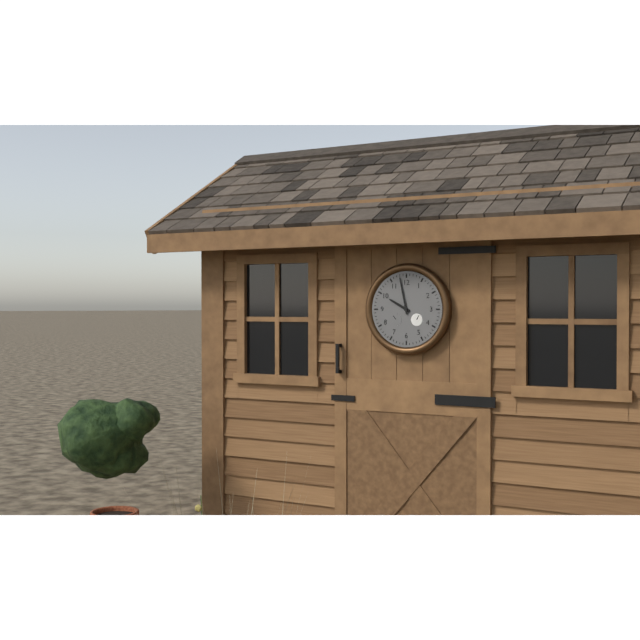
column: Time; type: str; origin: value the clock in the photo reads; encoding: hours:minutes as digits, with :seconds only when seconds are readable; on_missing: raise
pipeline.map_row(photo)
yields 9:58
